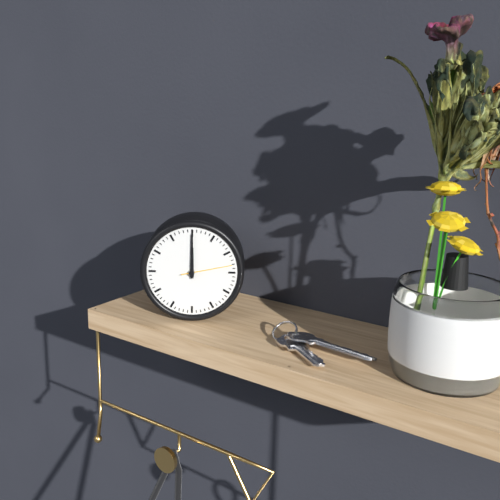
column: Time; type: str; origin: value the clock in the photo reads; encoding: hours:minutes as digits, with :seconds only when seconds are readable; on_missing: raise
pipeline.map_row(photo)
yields 12:00:13
